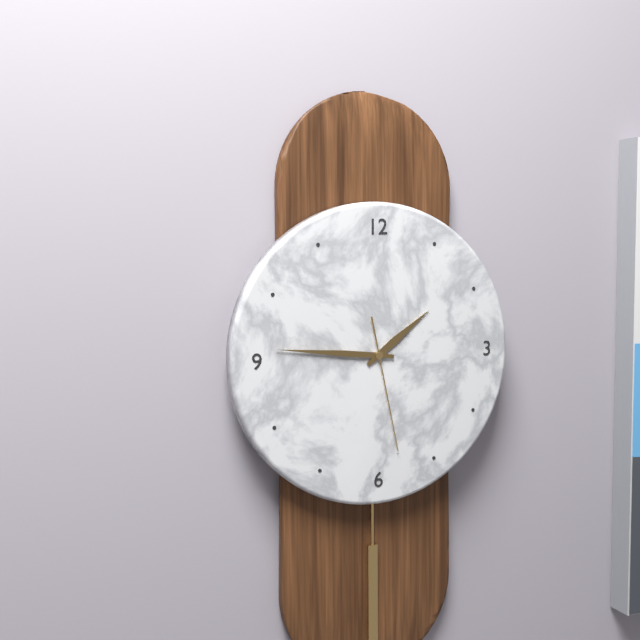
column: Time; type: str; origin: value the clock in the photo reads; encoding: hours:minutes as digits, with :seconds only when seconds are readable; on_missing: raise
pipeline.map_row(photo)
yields 1:46:28
